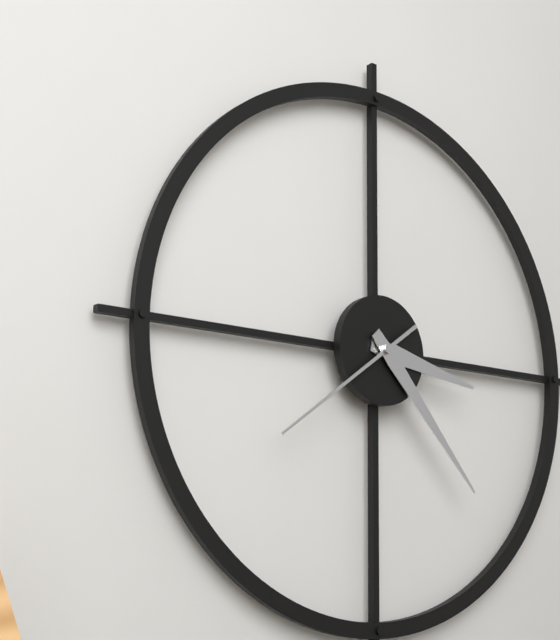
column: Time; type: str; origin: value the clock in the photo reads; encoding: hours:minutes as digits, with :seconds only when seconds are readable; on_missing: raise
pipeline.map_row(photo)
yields 3:23:39
